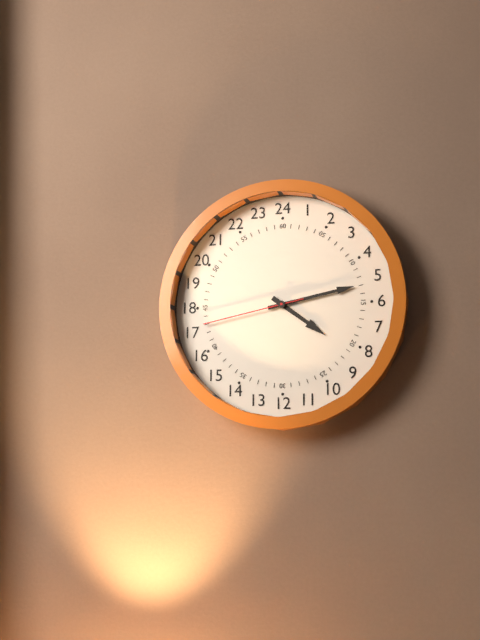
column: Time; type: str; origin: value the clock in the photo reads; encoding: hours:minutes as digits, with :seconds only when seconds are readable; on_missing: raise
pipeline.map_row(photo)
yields 4:13:43
